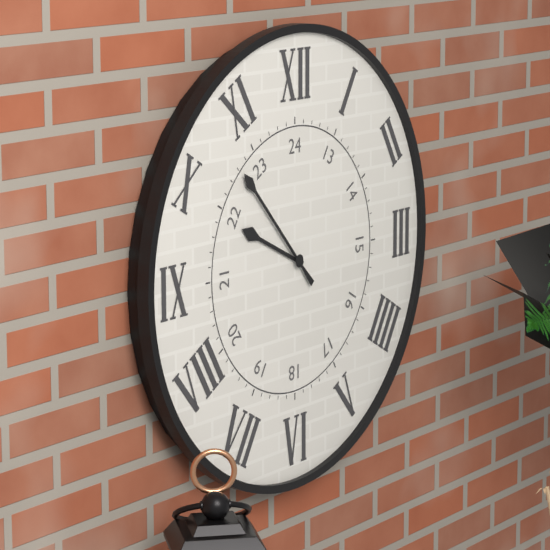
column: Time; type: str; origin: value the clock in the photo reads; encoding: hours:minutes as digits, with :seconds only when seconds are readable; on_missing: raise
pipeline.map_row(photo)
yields 9:53
